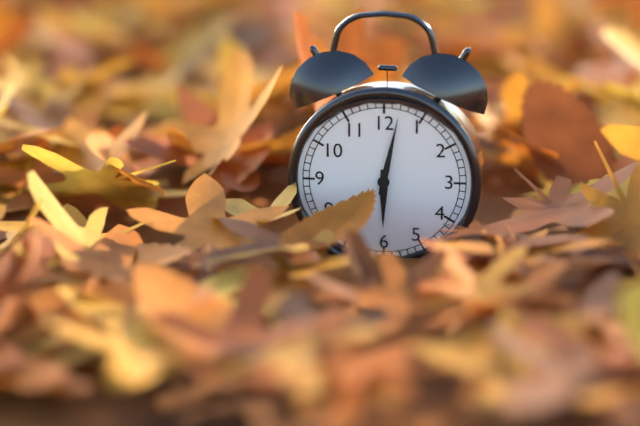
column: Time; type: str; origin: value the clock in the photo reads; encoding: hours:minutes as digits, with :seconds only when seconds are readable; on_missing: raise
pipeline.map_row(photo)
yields 6:02
